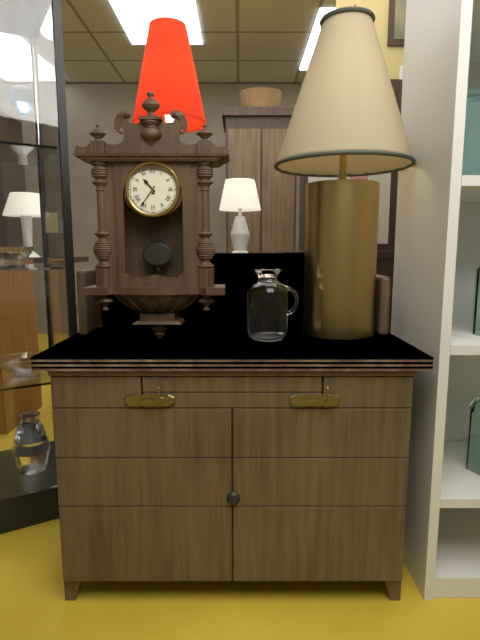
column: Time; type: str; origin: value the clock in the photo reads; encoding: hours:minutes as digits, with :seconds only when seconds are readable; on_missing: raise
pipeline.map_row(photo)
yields 10:36
